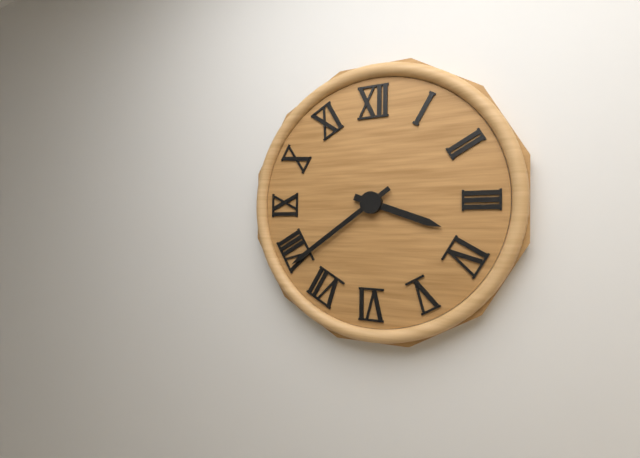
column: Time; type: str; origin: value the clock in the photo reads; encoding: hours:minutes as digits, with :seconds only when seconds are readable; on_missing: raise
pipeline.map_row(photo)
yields 3:39
